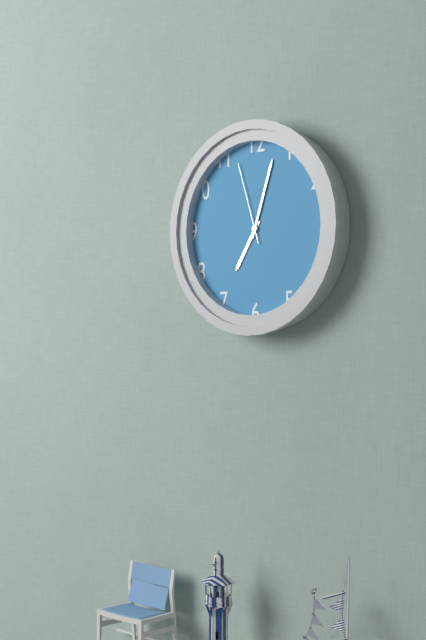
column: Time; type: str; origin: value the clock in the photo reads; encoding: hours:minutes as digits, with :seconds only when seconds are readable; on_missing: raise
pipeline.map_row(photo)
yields 7:03:57
